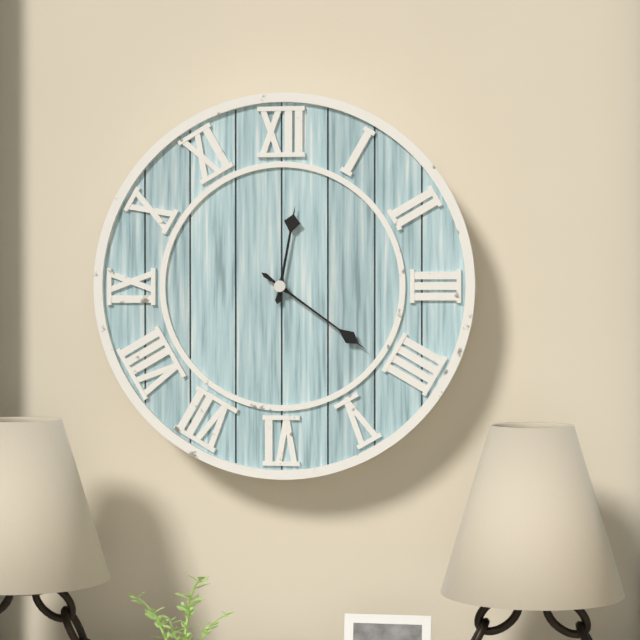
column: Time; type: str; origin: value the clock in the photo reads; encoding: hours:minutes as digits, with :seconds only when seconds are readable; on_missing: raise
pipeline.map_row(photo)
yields 12:21
